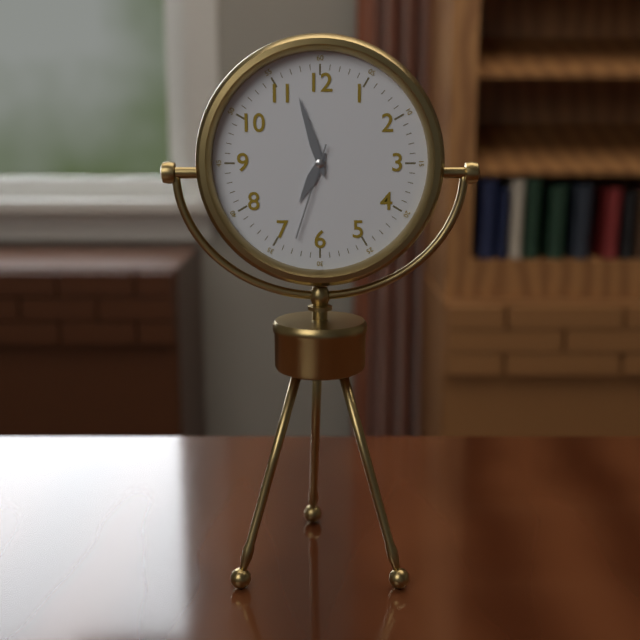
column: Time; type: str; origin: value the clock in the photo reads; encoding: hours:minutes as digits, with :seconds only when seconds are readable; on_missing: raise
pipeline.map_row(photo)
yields 6:57:33
